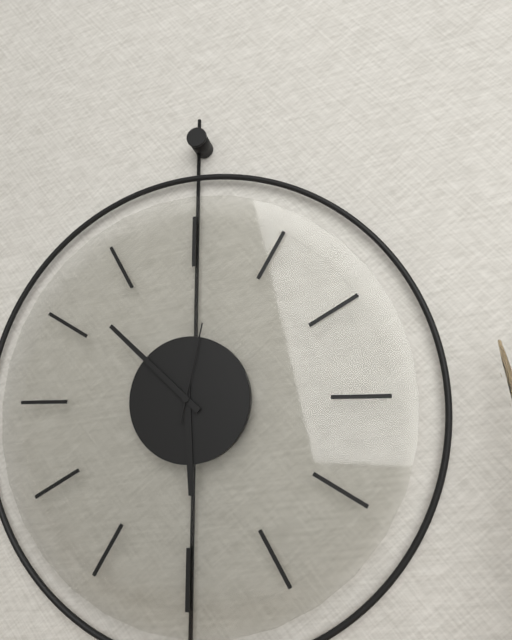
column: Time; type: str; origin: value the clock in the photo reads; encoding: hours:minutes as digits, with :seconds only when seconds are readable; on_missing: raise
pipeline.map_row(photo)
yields 5:52:02
